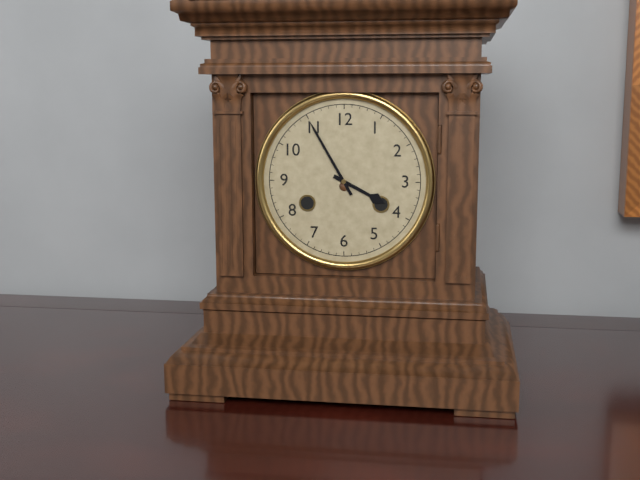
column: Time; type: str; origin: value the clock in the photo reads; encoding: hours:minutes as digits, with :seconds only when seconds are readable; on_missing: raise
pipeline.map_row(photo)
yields 3:55
